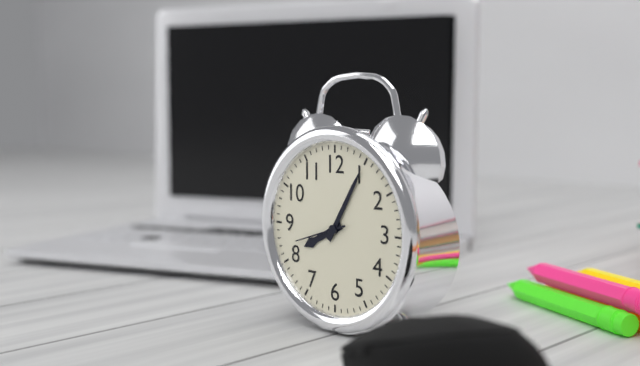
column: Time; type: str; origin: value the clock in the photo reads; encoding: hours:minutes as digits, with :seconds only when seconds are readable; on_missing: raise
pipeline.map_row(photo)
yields 8:05:42
